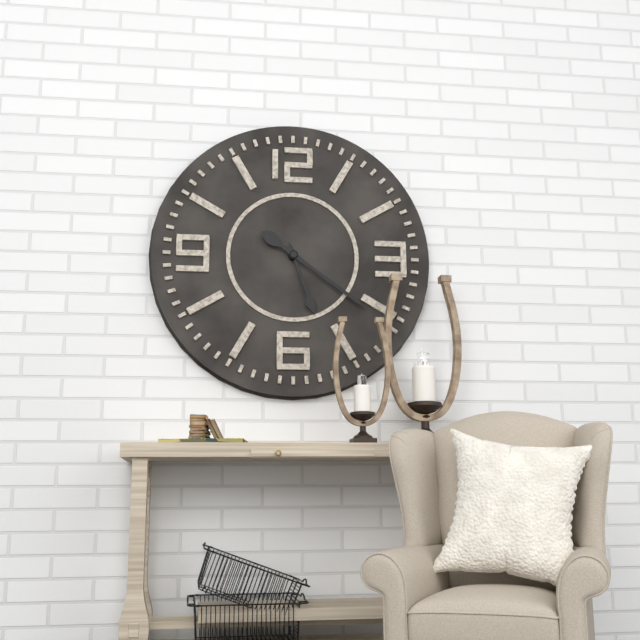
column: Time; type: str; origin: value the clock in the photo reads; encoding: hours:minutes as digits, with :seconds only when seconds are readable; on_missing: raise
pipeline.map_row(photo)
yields 5:21
